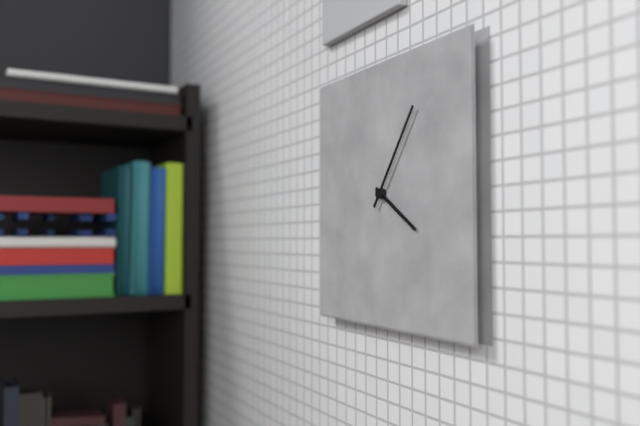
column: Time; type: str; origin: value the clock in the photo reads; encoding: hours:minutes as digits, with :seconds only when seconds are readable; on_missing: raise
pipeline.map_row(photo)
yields 4:06
